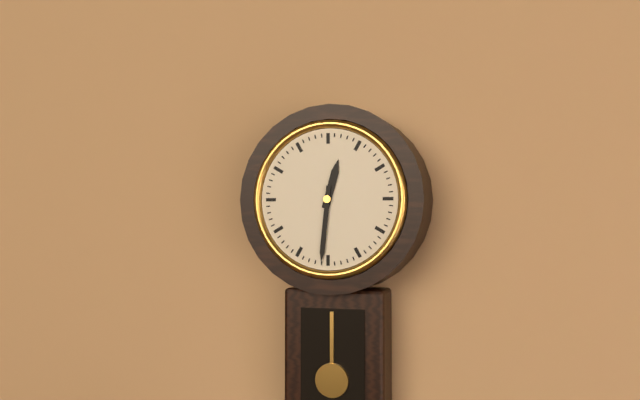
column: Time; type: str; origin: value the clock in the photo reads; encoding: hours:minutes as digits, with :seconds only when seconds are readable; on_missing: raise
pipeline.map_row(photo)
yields 12:31
